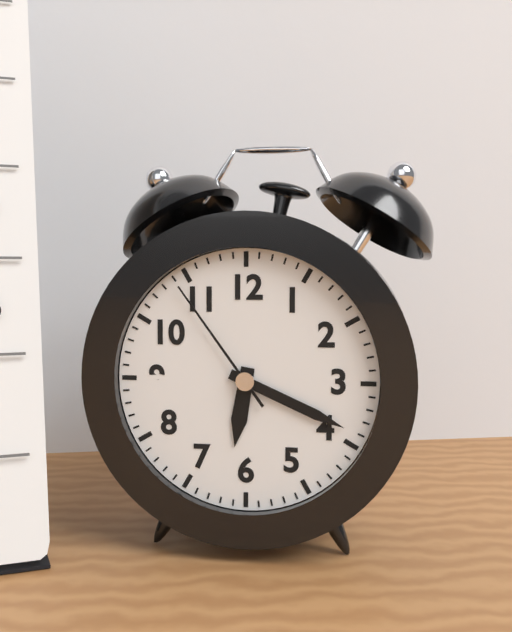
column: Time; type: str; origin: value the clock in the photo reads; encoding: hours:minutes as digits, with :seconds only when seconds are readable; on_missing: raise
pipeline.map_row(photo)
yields 6:19:54
